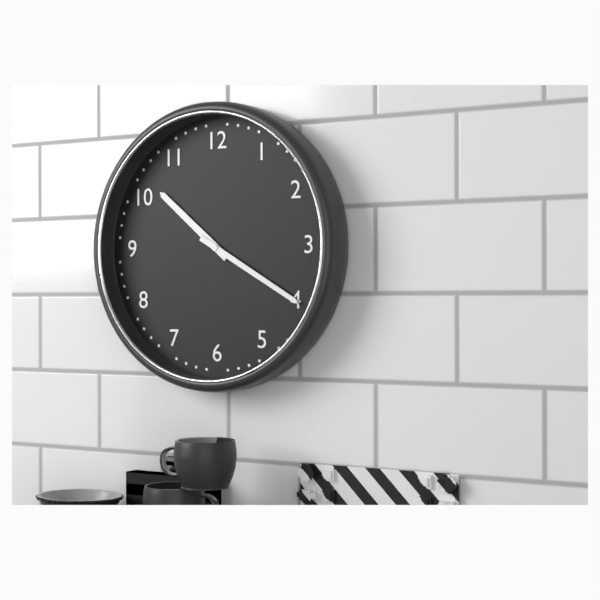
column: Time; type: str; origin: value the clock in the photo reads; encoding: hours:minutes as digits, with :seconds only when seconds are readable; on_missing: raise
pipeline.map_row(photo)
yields 10:20
